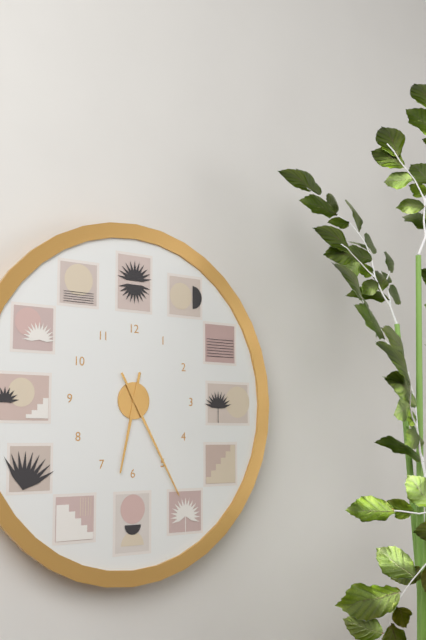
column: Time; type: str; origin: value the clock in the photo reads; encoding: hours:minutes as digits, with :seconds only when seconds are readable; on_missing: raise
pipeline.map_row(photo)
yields 6:25
